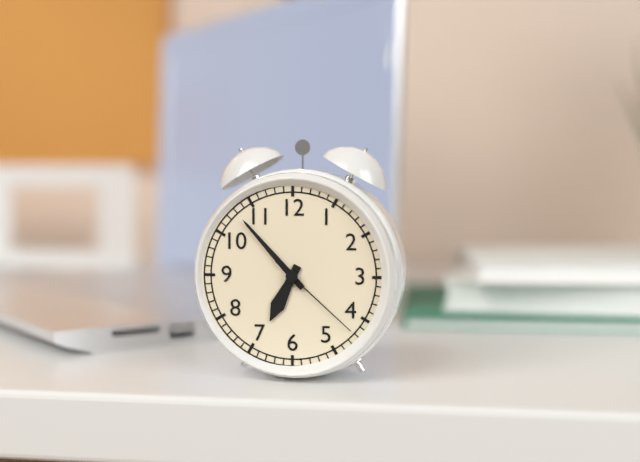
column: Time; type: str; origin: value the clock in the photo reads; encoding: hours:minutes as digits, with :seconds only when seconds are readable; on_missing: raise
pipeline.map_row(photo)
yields 6:53:22
